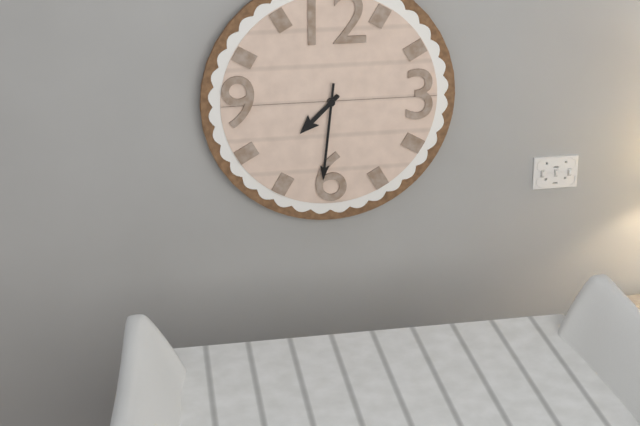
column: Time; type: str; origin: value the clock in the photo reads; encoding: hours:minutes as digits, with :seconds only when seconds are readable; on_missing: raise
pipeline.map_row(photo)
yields 7:31
